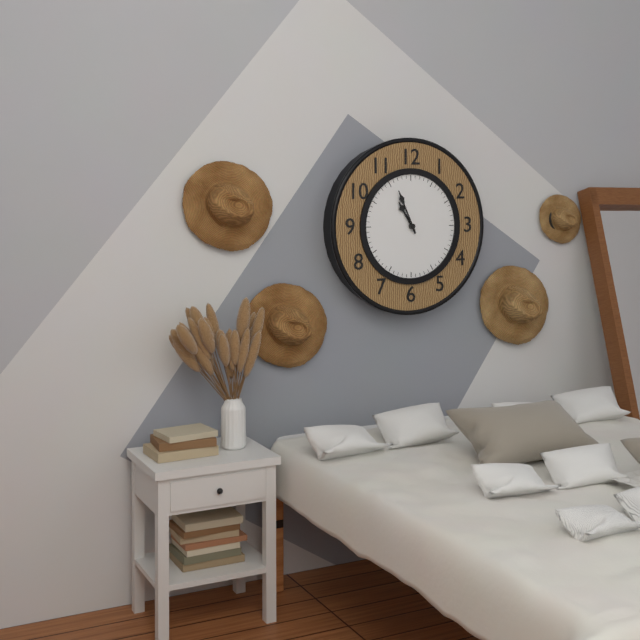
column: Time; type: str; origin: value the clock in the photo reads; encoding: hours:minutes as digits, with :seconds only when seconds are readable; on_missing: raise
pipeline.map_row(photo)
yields 10:56
